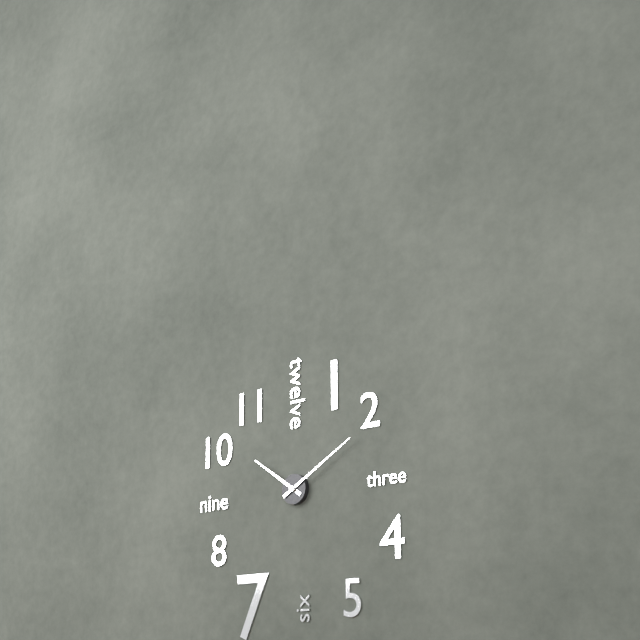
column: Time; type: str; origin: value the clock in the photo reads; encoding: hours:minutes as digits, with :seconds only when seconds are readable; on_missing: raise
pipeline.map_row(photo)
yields 10:10
